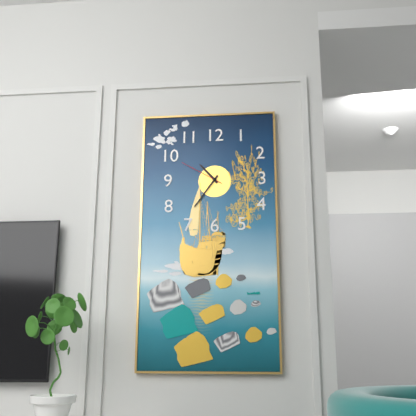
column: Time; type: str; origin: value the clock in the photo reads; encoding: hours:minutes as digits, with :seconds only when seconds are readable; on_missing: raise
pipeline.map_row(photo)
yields 10:36
